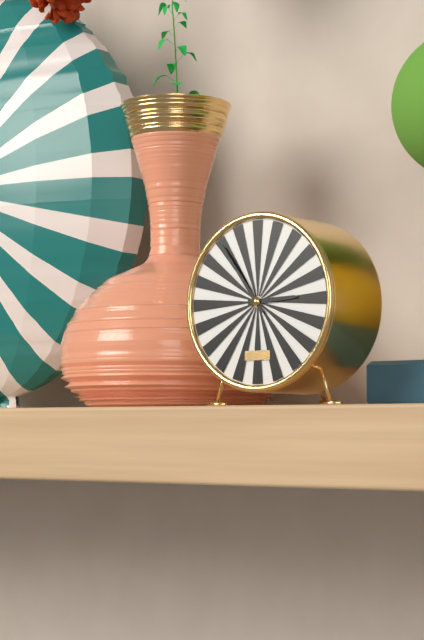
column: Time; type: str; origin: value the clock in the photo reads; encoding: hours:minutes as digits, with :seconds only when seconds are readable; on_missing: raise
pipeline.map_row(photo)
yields 2:54
